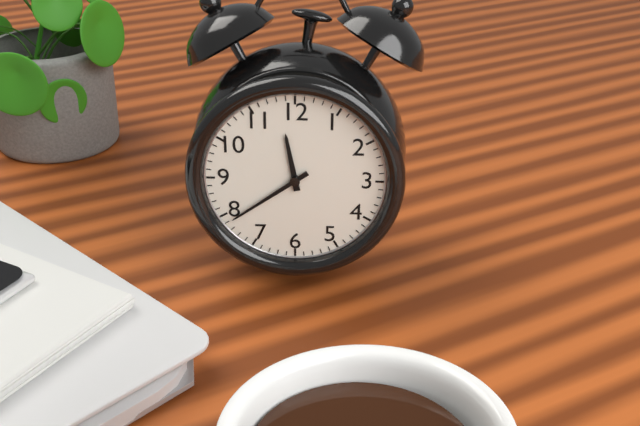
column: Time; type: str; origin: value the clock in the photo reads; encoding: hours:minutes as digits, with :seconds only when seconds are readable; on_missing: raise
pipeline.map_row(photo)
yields 11:39
